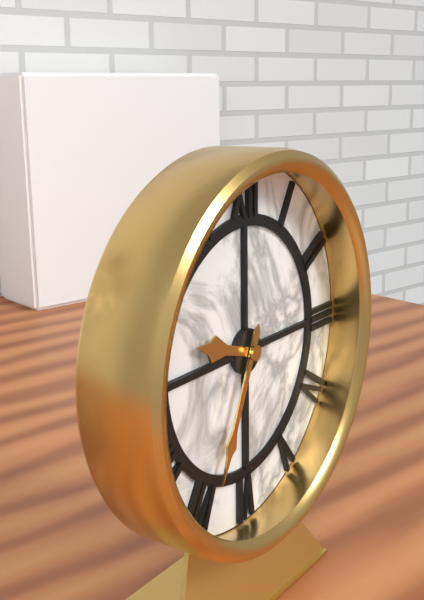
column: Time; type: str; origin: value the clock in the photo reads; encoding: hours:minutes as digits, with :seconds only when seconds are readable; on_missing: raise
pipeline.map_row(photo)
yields 9:34
